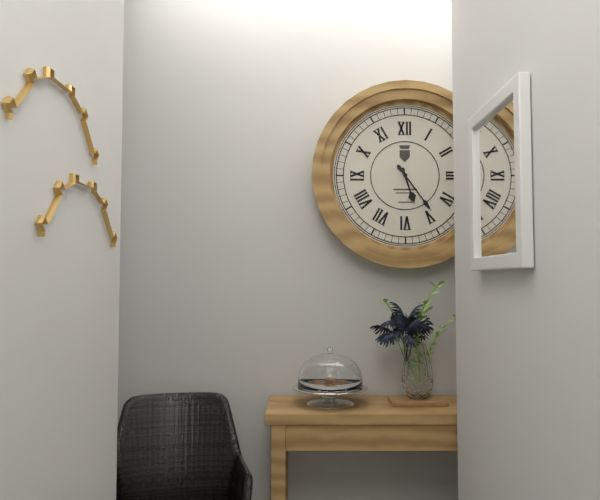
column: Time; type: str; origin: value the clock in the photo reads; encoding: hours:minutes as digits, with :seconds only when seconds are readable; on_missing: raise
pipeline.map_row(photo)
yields 5:24
